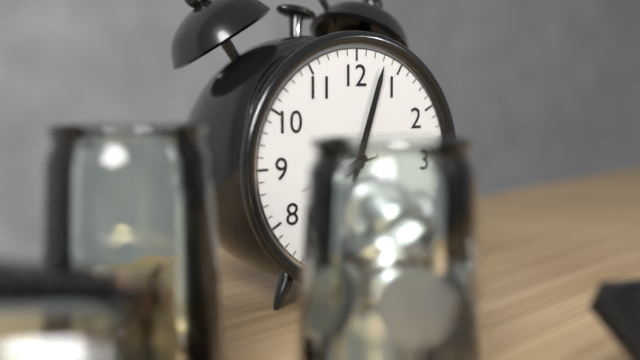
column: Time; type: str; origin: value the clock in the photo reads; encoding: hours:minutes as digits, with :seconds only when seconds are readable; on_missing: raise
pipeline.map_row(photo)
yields 8:03:42
